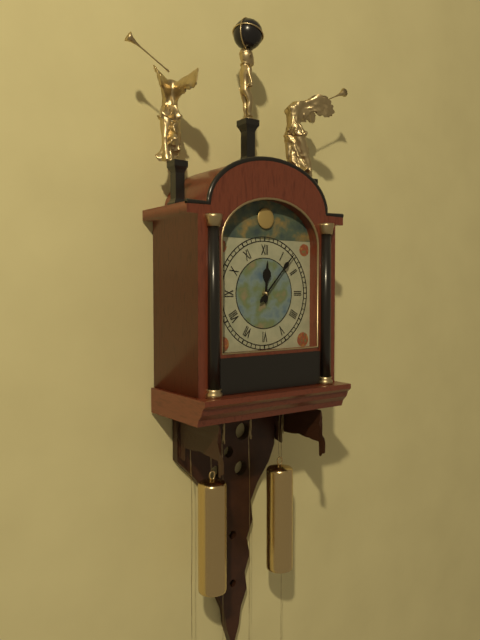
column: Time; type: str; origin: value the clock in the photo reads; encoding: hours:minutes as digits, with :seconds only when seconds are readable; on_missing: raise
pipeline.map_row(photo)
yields 12:07
